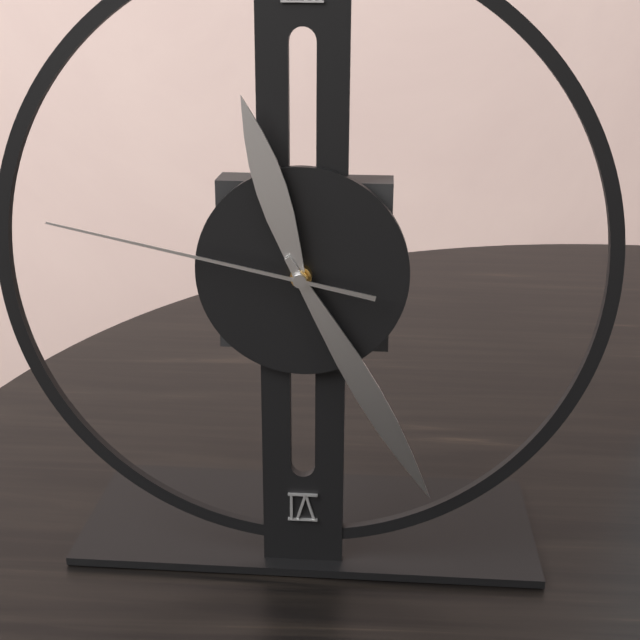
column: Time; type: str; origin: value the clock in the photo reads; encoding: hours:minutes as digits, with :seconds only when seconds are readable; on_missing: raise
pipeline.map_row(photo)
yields 11:25:47
